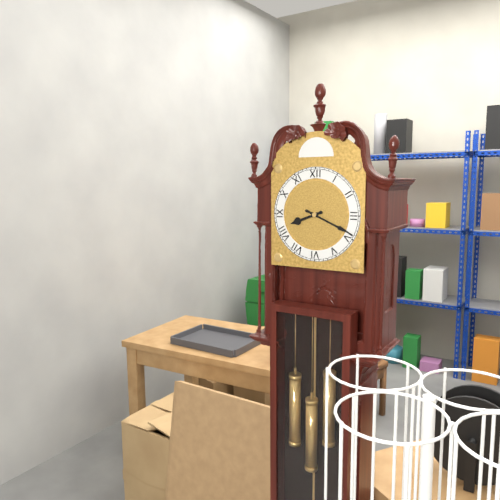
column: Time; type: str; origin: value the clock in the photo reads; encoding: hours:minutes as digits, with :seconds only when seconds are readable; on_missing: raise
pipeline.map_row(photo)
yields 8:19
